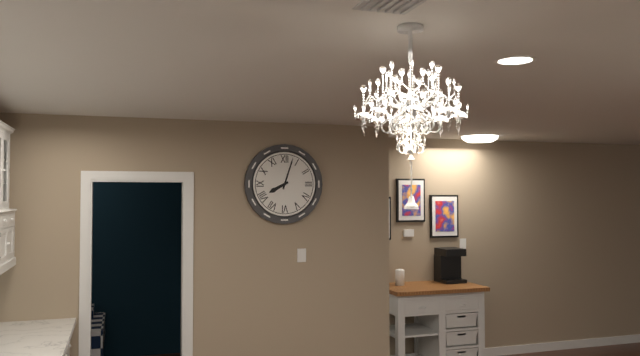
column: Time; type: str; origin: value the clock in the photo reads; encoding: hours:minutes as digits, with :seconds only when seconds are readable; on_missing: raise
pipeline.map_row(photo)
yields 8:03
